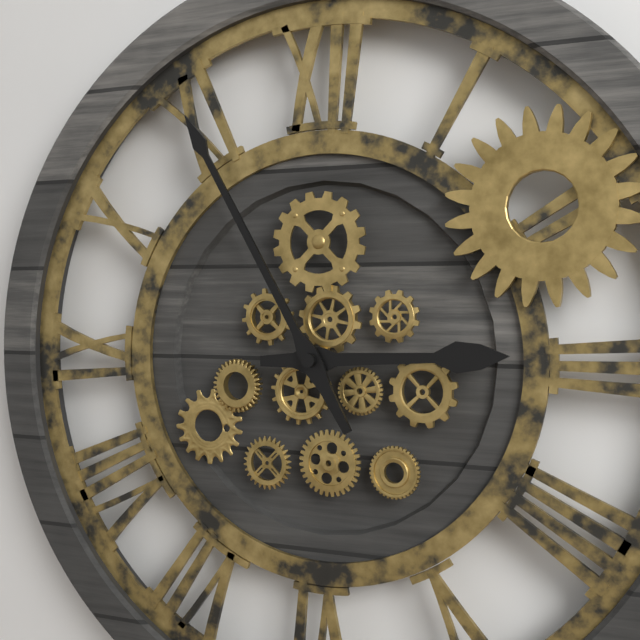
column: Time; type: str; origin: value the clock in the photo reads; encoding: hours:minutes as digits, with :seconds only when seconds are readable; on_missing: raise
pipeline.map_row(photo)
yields 2:55
